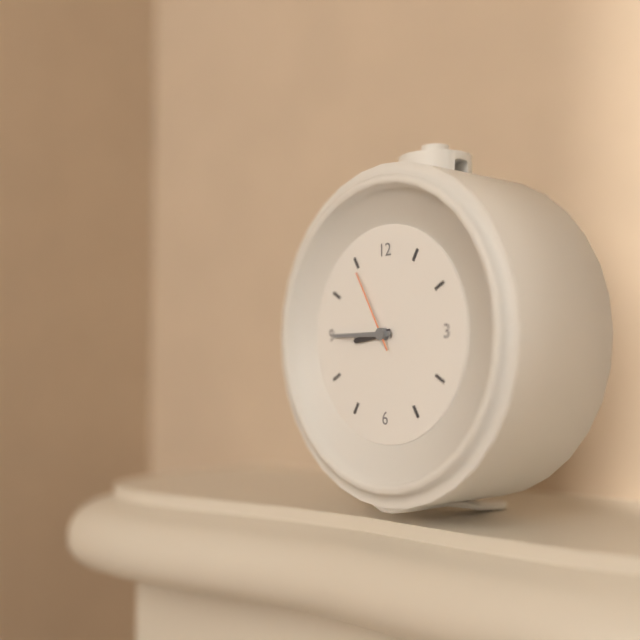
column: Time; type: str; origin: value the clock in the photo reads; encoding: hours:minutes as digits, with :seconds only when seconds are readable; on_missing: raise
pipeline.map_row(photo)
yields 8:45:55
